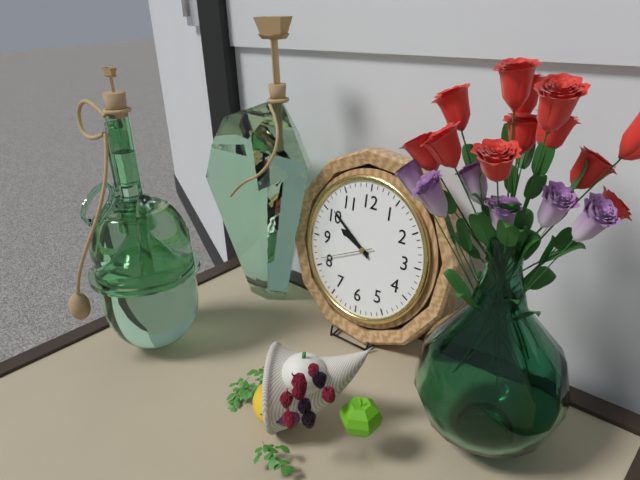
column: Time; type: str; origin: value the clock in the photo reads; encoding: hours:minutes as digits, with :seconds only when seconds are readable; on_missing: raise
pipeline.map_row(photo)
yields 9:51:41
